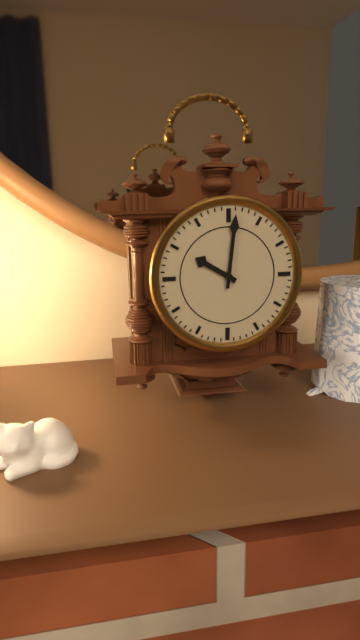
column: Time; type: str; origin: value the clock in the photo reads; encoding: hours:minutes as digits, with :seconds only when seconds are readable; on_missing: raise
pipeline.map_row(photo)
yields 10:01
